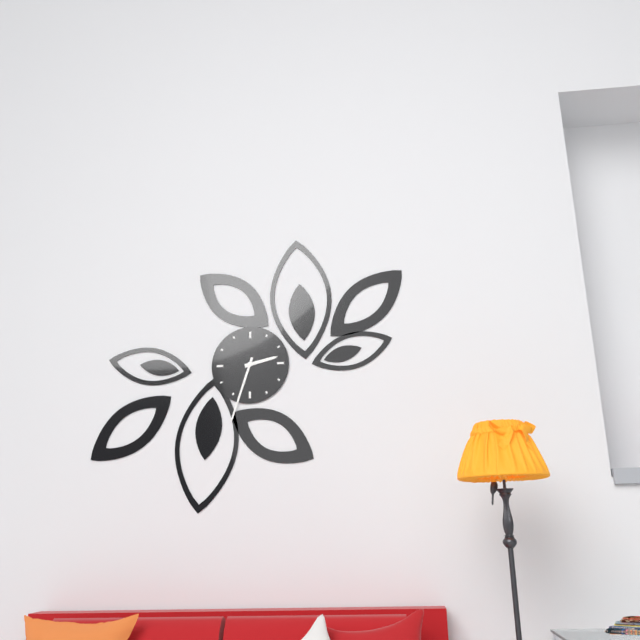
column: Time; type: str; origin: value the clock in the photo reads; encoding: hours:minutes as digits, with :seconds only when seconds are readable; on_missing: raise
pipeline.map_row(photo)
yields 2:33
